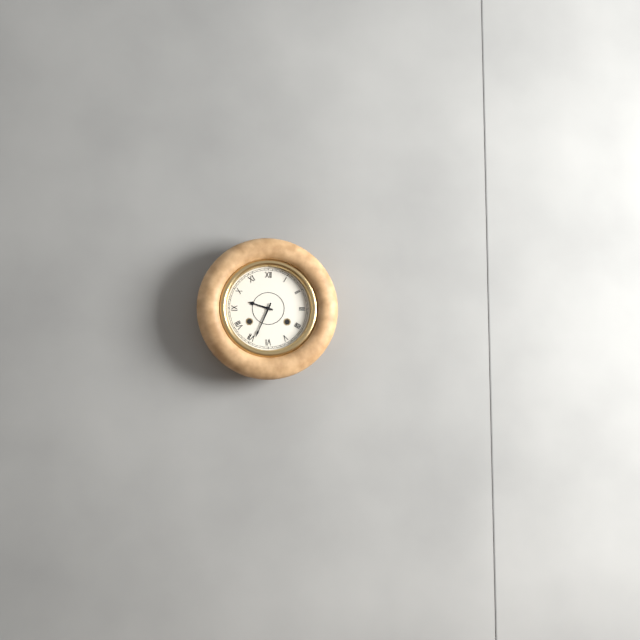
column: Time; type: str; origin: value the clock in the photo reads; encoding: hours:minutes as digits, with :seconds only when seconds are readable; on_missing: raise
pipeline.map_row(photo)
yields 9:34
